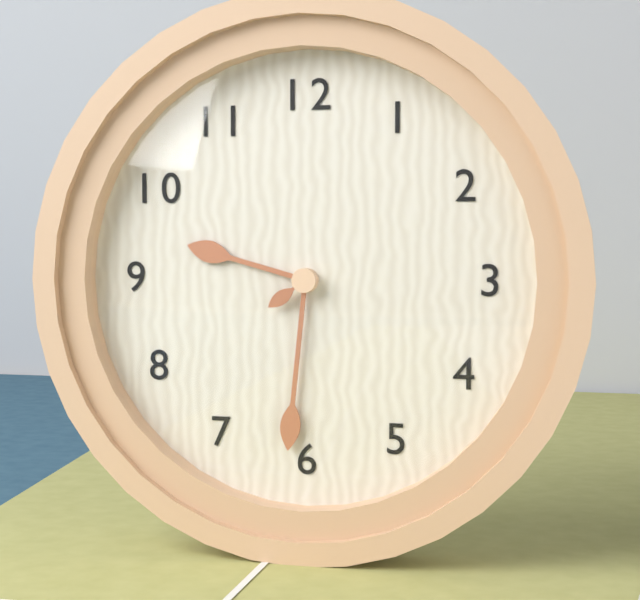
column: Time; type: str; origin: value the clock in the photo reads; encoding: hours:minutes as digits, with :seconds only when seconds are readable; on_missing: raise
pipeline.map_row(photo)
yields 9:31:39
